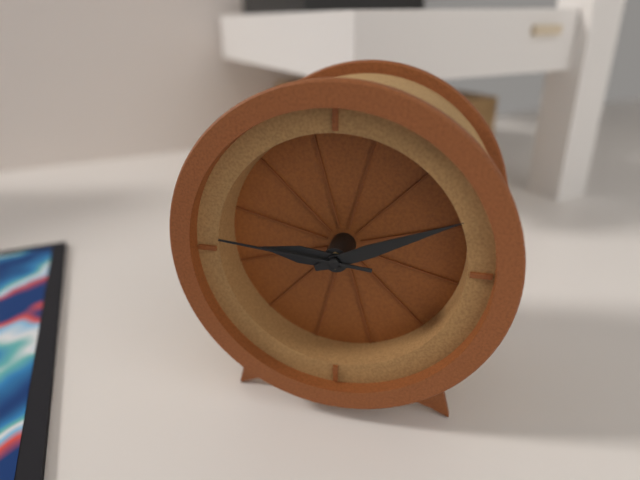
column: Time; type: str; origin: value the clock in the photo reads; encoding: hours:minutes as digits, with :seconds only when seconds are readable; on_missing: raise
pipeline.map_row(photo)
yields 9:11:46
